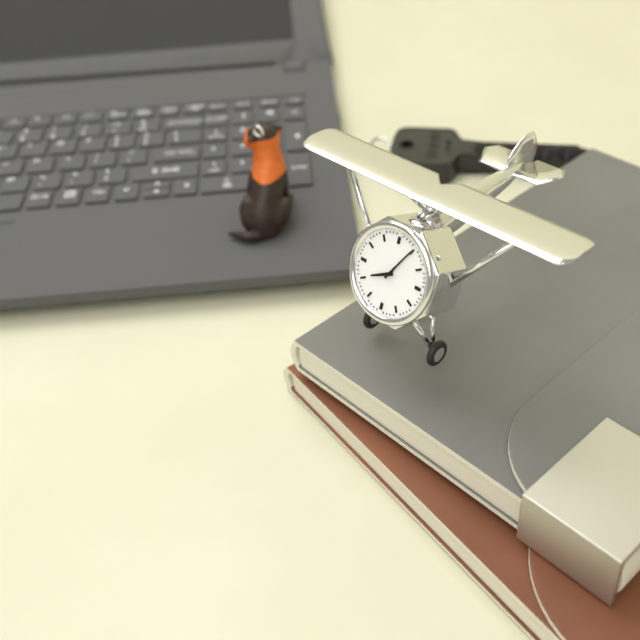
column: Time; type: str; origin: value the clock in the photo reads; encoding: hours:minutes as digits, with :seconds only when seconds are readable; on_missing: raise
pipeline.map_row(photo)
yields 8:05
